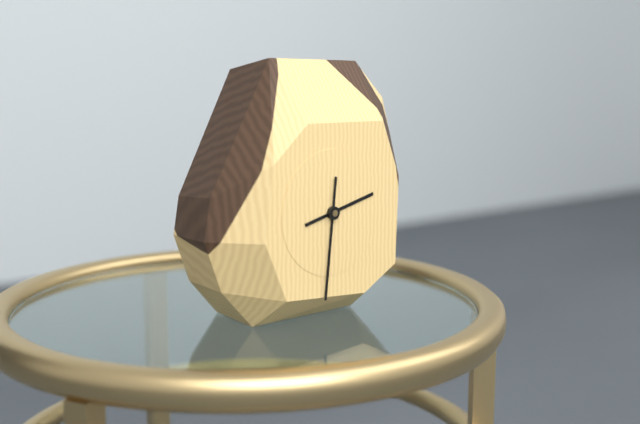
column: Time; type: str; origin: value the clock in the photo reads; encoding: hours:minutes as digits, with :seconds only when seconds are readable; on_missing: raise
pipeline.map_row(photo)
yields 2:31
